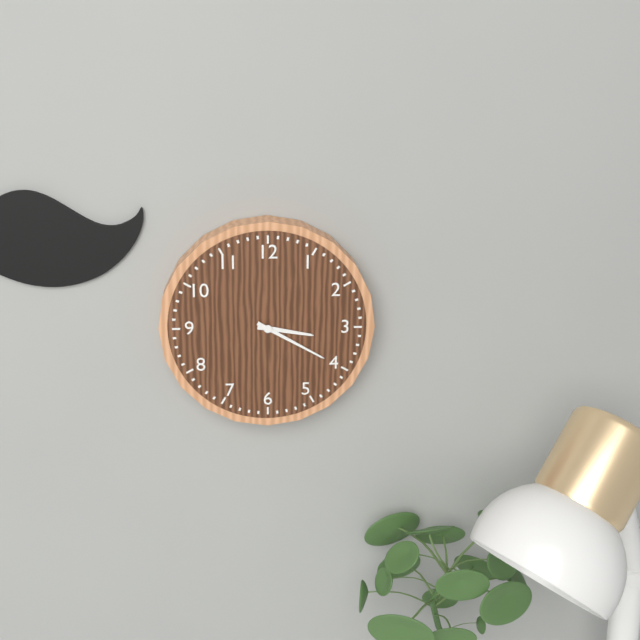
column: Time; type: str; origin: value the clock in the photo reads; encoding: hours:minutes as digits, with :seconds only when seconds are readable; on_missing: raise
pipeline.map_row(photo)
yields 3:20
